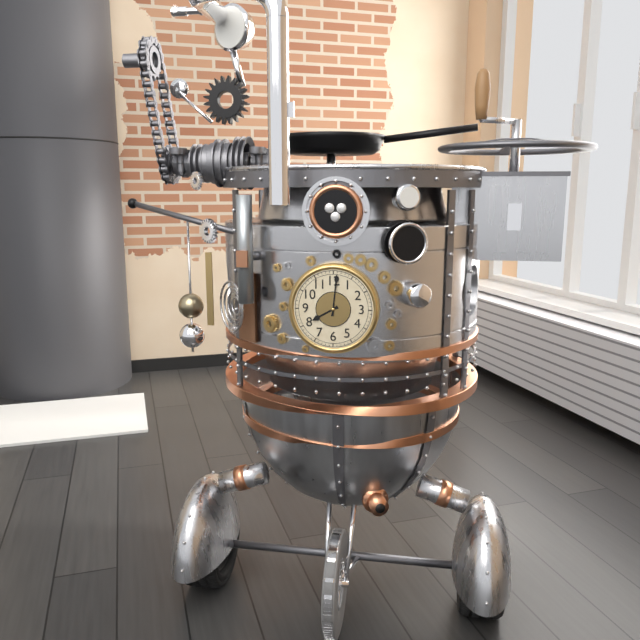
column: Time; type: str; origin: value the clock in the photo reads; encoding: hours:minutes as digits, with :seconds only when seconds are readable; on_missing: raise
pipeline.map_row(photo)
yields 8:01
